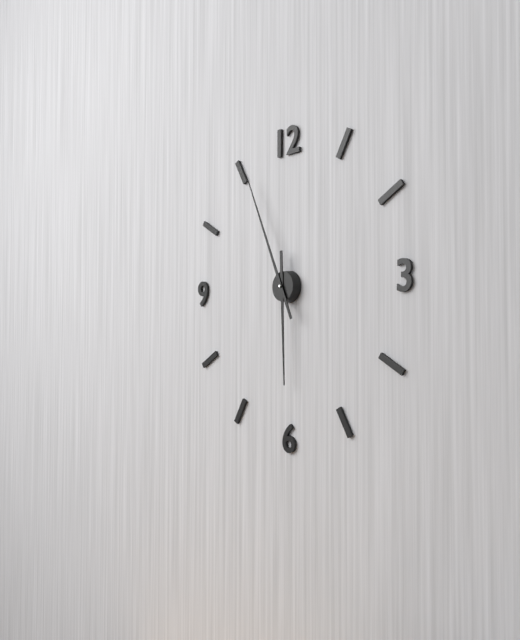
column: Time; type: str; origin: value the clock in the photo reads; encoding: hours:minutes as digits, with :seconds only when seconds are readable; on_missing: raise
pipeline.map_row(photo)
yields 5:56
